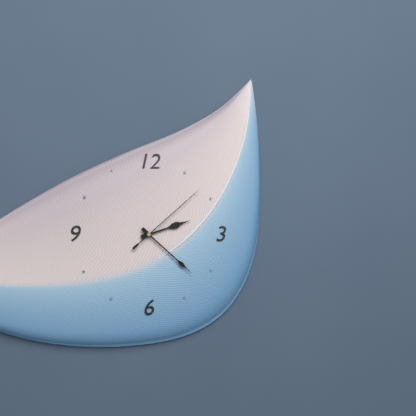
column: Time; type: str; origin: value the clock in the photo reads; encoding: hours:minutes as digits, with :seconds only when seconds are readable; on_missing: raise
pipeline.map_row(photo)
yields 2:22:08
